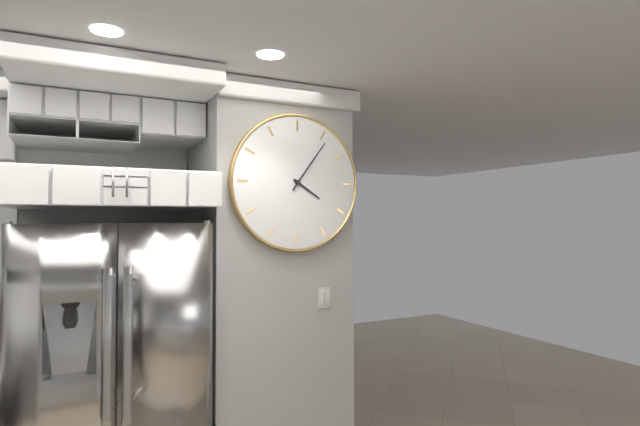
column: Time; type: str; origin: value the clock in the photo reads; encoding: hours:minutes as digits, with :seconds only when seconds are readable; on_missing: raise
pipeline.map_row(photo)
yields 4:06
